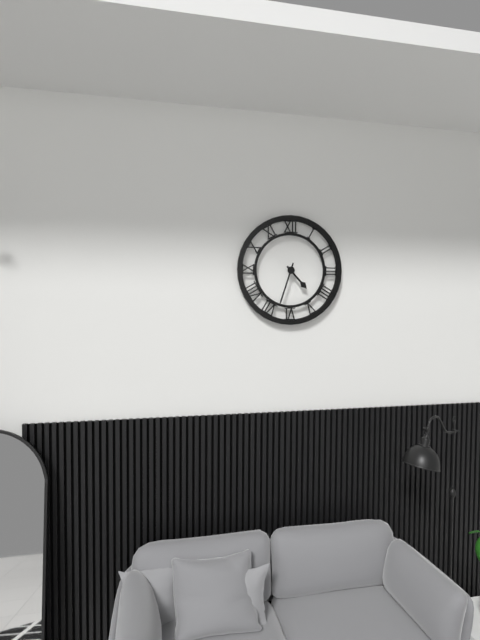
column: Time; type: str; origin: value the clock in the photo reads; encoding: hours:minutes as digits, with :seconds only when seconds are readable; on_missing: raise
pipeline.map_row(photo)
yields 4:33
